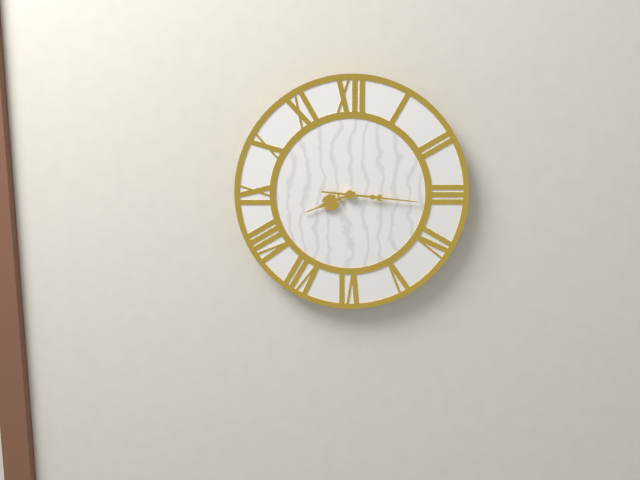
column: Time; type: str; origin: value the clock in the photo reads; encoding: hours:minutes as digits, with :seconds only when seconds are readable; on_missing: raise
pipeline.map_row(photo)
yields 8:16
